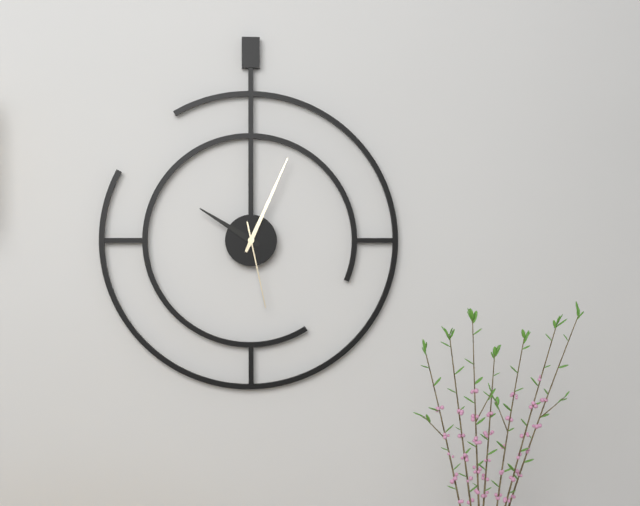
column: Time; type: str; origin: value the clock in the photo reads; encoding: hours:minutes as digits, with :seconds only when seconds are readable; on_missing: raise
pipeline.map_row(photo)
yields 10:04:28
